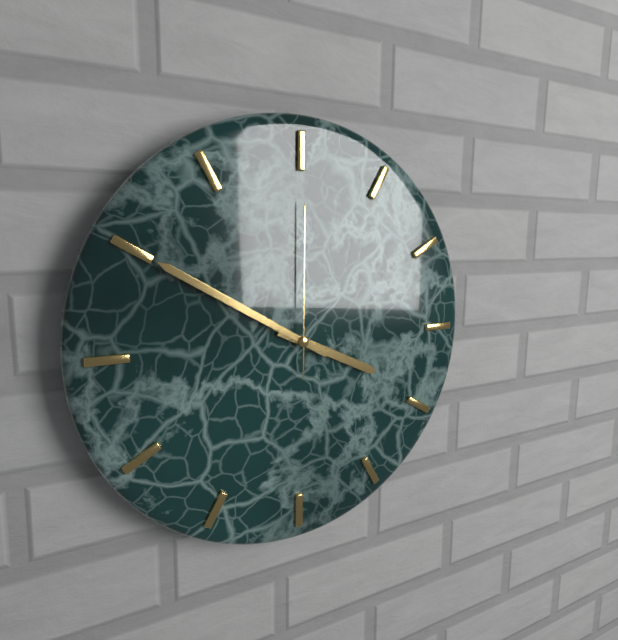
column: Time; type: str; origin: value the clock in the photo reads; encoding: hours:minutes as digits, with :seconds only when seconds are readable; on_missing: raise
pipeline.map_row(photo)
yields 3:50:00
